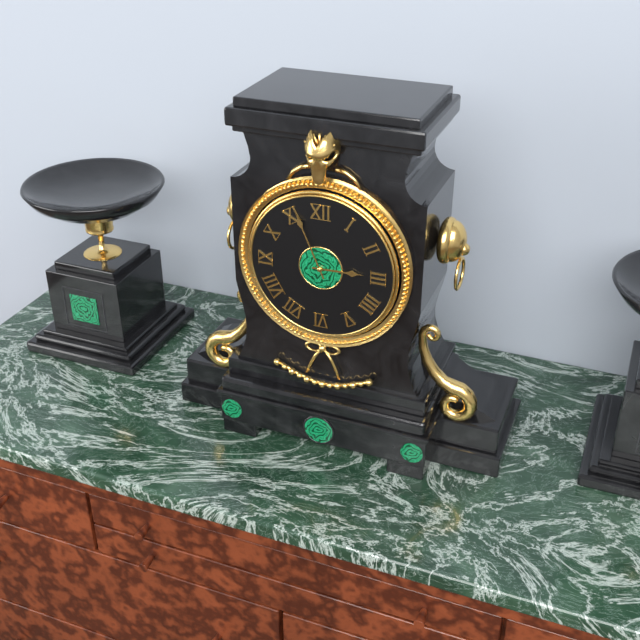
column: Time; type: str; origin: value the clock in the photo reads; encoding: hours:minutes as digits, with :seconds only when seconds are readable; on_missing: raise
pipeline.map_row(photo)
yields 2:56
